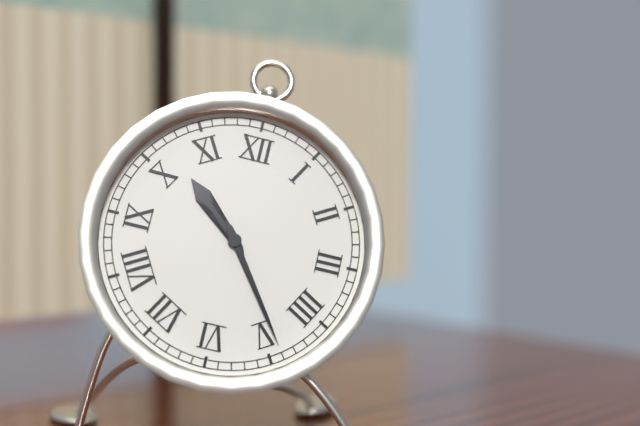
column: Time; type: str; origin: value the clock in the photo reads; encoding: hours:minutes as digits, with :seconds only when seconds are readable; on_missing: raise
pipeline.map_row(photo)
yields 10:24
